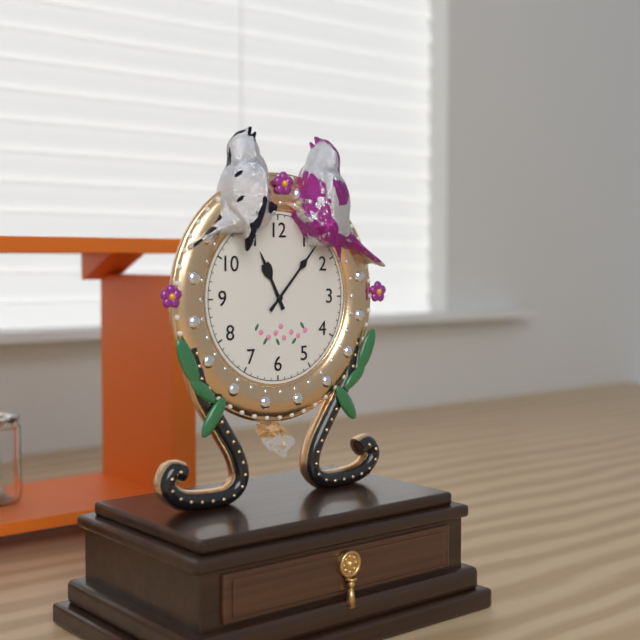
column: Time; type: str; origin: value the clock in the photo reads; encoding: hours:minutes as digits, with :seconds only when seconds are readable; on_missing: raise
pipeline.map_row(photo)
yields 11:07
